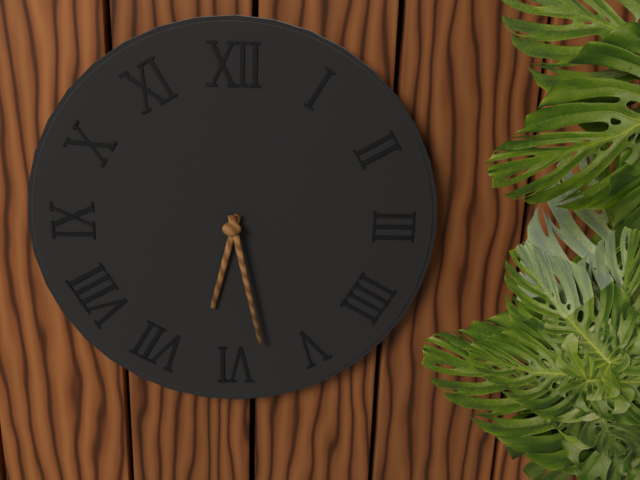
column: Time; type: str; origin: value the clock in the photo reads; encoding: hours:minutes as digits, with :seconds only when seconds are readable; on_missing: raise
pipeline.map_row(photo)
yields 6:28
